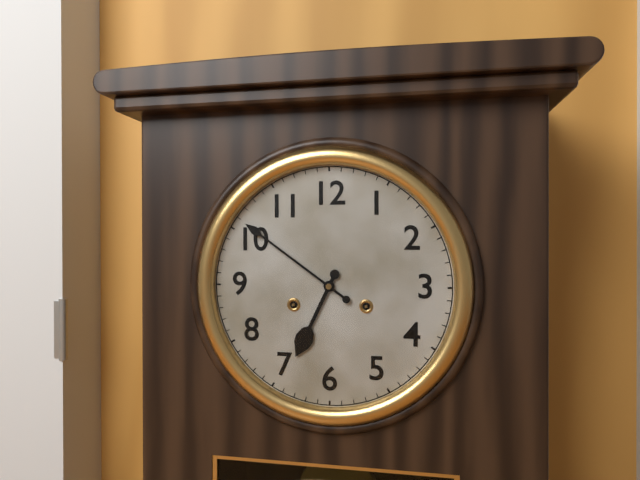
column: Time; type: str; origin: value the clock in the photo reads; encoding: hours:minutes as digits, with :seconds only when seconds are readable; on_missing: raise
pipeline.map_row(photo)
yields 6:51
